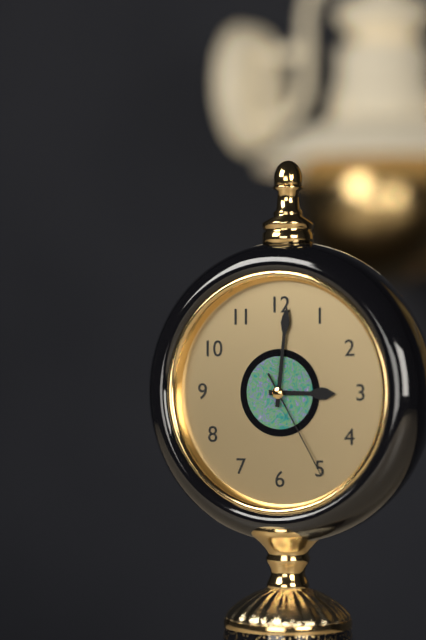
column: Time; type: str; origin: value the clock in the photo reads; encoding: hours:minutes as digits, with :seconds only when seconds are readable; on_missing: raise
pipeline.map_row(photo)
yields 3:01:25
